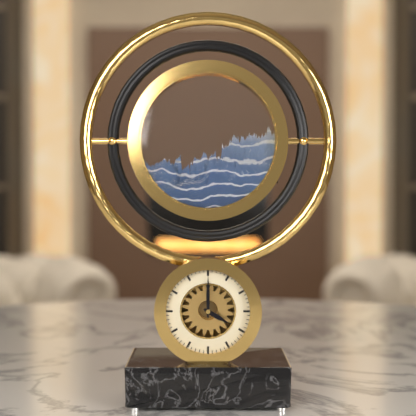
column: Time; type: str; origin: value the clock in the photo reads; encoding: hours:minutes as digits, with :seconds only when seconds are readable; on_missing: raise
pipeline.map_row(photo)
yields 4:00
